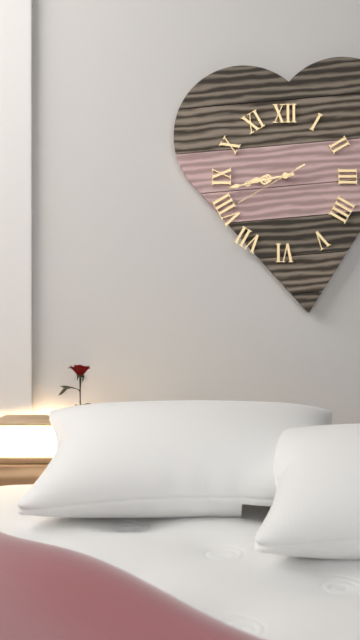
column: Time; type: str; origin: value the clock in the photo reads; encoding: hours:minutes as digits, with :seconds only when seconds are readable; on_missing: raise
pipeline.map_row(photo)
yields 8:43:40
